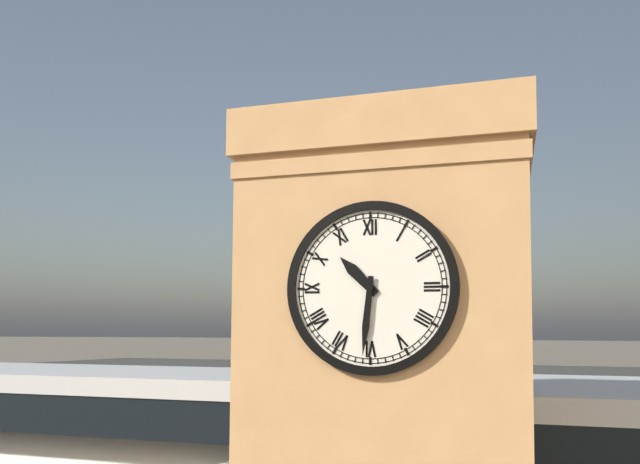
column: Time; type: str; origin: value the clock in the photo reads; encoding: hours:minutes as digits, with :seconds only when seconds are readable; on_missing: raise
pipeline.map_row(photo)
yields 10:31
